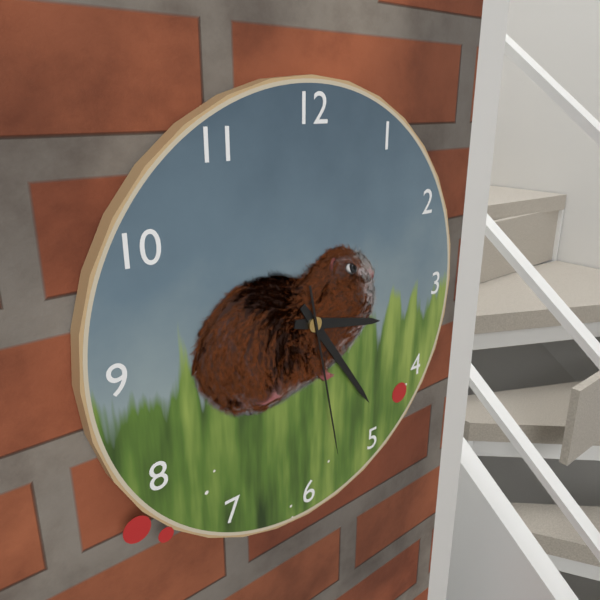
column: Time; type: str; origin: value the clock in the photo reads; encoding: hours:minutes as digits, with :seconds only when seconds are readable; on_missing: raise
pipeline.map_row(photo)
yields 3:24:28
